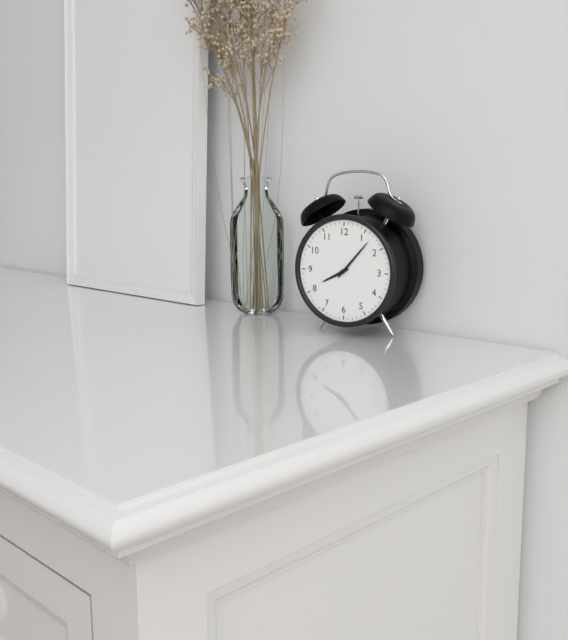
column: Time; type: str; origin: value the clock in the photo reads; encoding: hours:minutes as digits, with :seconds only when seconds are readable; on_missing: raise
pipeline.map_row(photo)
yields 8:07
